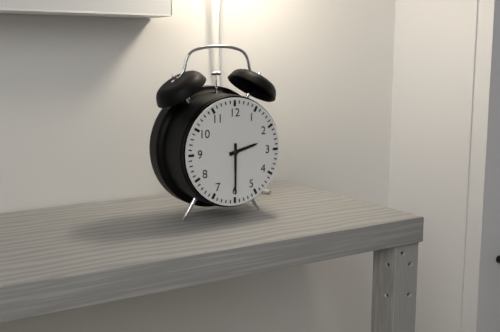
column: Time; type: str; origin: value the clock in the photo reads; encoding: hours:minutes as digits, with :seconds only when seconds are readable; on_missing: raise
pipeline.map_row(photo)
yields 2:30
